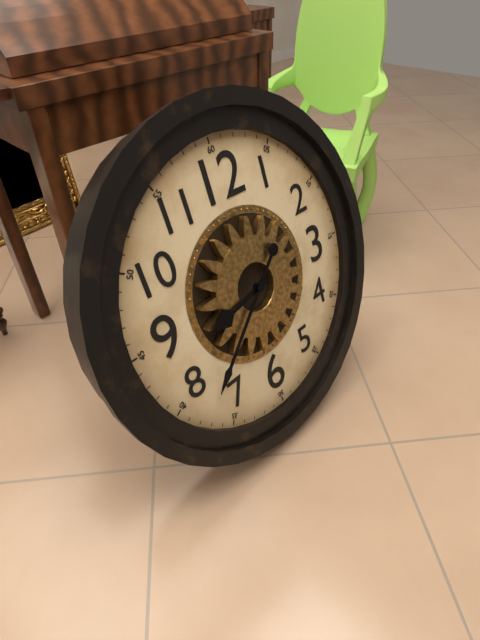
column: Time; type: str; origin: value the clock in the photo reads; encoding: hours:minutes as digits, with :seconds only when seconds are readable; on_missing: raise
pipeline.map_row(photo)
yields 8:38
